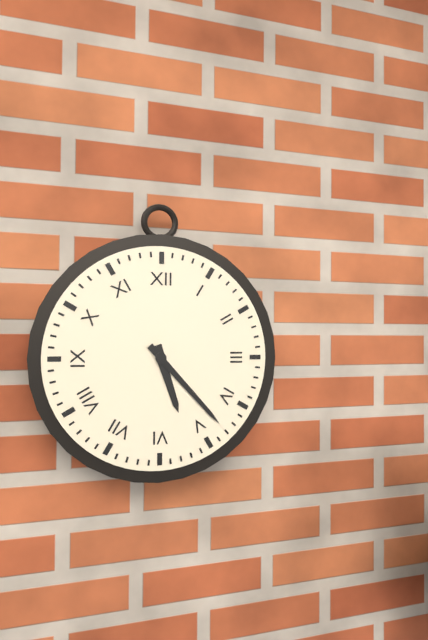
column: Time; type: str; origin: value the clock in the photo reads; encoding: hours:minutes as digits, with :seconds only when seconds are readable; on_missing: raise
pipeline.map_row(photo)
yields 5:23
